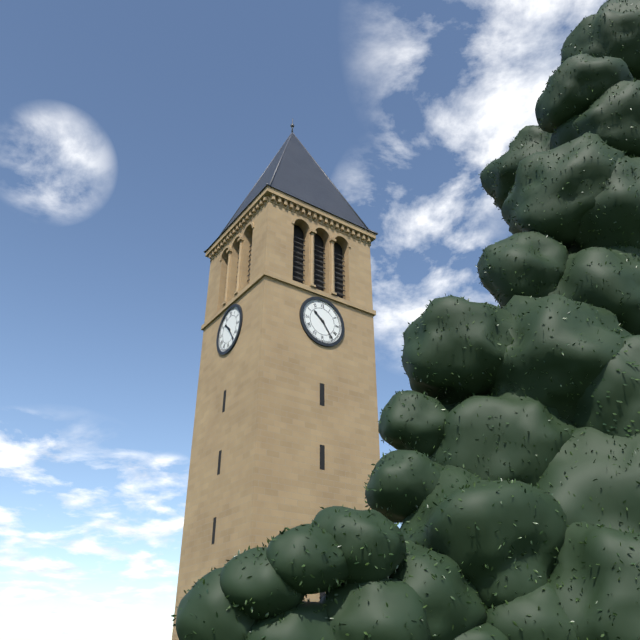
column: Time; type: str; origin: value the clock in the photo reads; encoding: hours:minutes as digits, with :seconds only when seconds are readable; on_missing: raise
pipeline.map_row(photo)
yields 10:24
